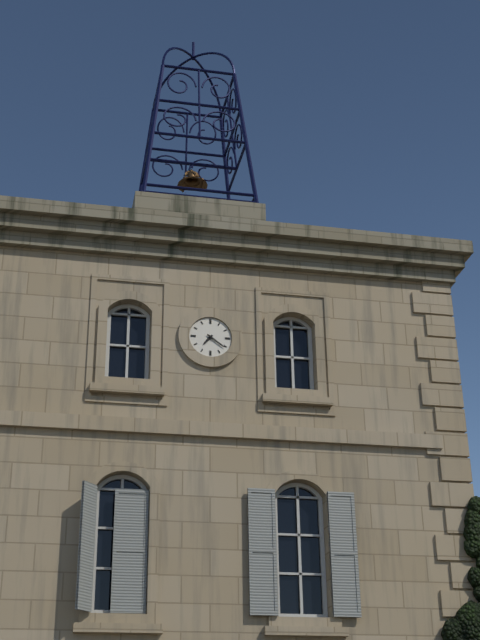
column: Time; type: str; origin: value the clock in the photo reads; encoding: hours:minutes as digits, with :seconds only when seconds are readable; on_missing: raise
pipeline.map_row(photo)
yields 7:21
